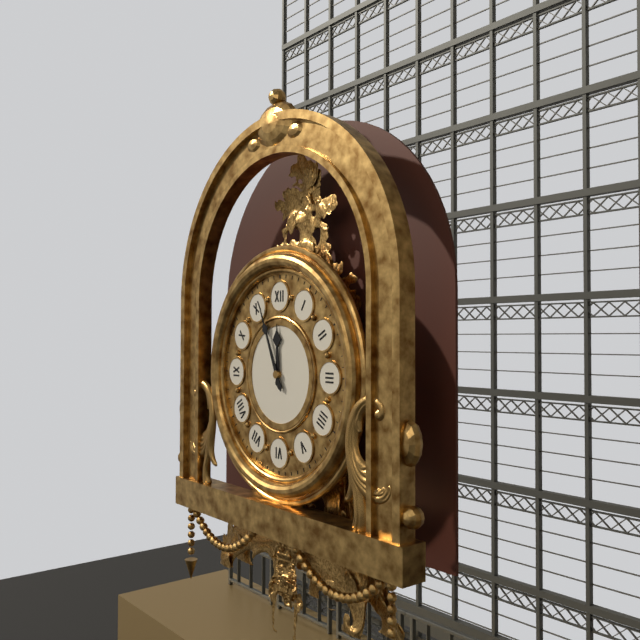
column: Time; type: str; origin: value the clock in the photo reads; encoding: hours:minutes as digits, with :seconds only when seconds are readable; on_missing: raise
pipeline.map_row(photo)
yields 11:56
